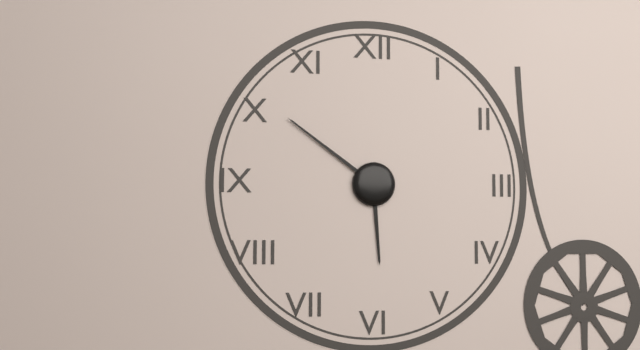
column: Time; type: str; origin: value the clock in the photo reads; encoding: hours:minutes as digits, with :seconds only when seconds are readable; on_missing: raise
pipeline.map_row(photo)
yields 5:51
